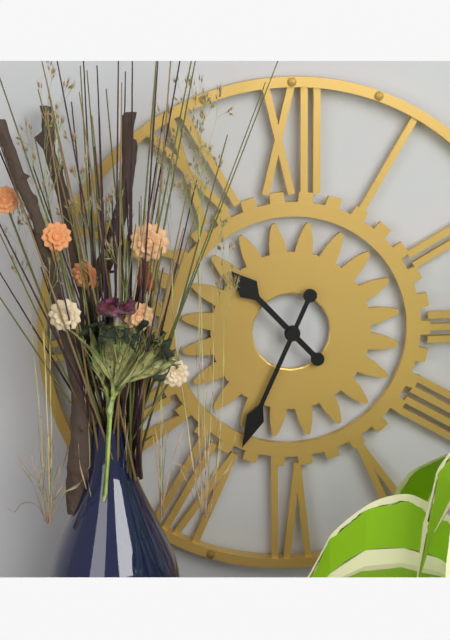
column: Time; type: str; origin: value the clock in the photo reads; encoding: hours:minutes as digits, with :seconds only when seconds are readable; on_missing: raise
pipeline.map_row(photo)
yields 10:34
